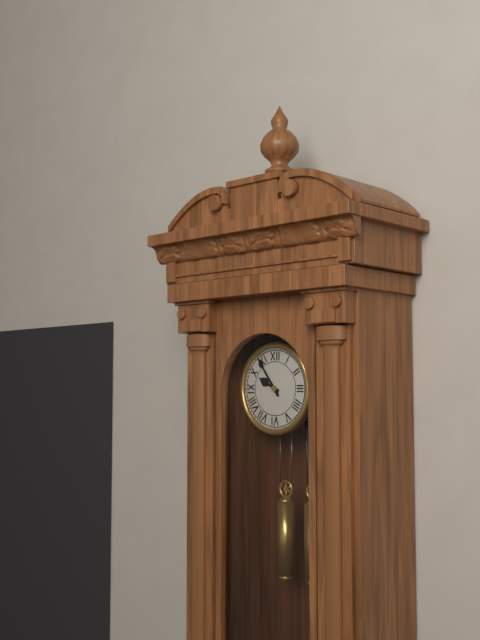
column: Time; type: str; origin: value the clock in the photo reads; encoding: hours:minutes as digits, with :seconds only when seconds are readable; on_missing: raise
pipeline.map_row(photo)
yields 9:54
